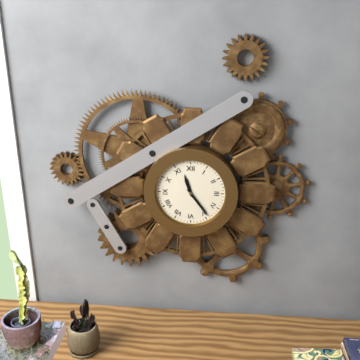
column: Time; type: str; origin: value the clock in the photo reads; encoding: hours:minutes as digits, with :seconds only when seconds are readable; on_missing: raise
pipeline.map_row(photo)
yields 11:24
